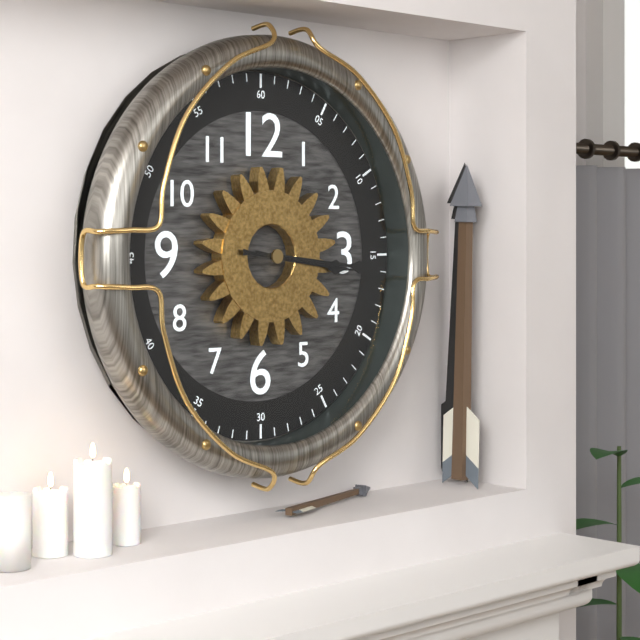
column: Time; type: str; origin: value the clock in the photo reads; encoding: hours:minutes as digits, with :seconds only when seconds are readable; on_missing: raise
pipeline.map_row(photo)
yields 3:16
